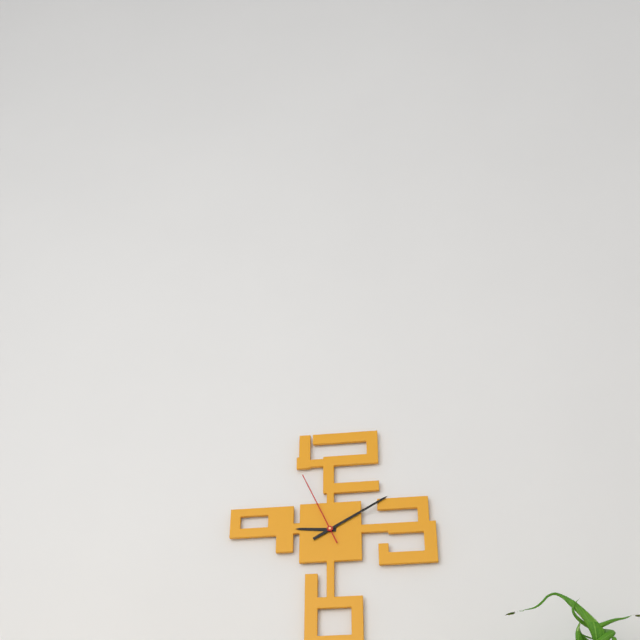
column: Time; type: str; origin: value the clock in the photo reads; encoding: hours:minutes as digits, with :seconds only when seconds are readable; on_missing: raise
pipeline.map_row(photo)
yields 9:10:56
